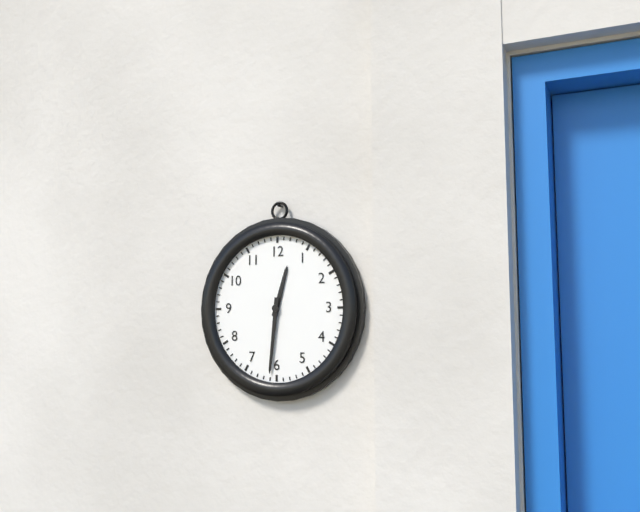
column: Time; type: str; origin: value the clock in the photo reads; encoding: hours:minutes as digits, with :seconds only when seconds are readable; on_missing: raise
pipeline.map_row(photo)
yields 12:31
